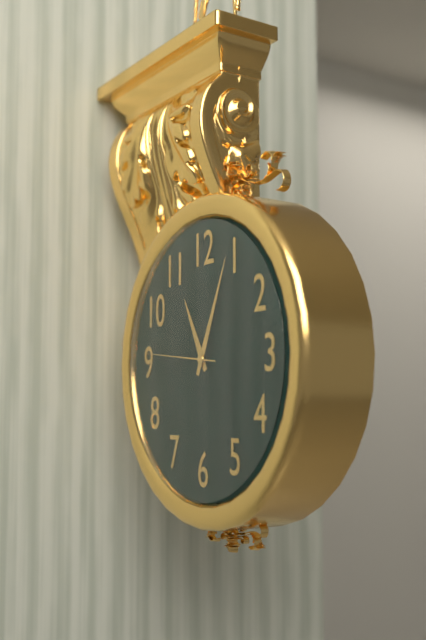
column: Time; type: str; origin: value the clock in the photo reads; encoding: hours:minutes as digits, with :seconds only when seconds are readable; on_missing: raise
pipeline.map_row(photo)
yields 11:04:46
